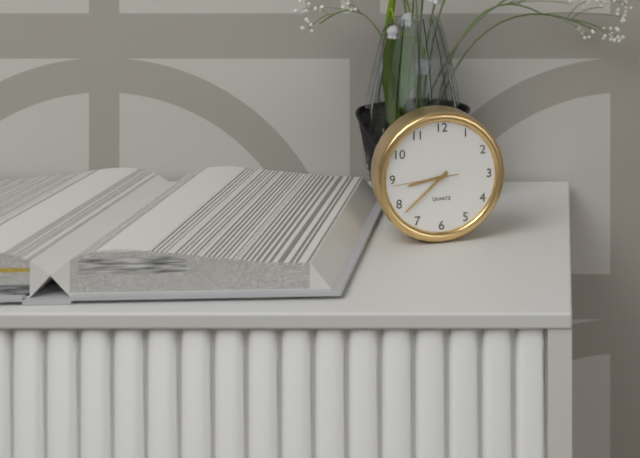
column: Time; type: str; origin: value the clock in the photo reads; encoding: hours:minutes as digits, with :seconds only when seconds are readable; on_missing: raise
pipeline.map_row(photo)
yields 8:38:44
